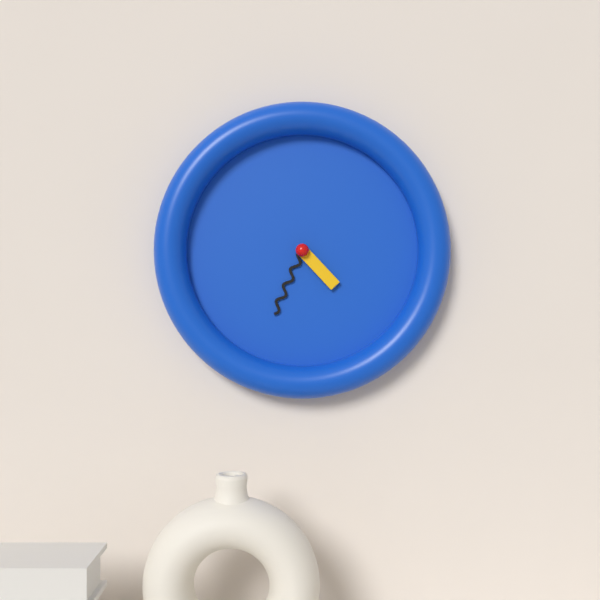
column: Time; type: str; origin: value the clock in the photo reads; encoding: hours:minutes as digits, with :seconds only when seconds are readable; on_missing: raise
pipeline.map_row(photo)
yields 4:34
